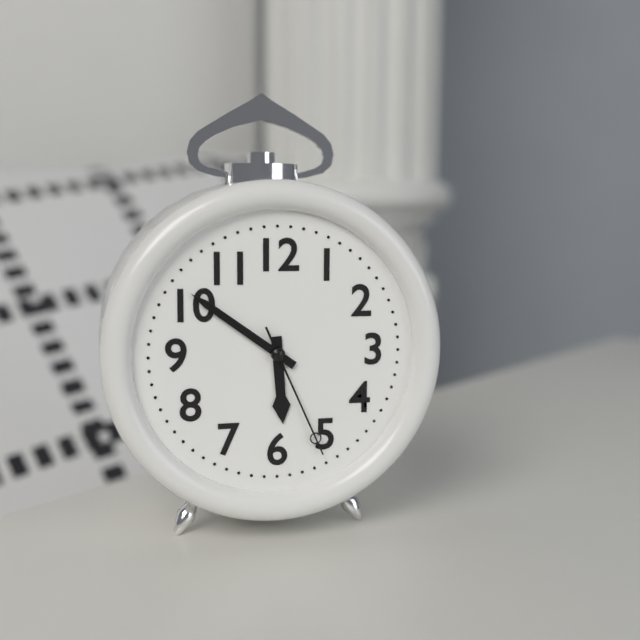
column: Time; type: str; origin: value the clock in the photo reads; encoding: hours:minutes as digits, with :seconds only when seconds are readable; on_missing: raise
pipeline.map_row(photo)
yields 5:51:26
